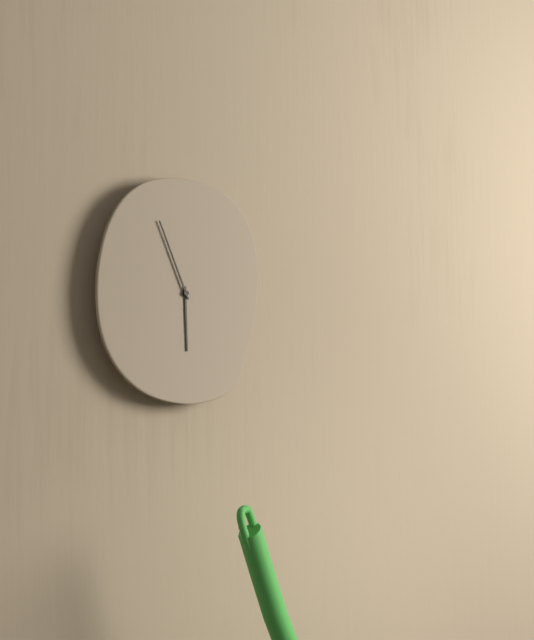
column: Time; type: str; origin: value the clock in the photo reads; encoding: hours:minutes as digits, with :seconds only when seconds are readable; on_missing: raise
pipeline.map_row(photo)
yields 5:56
